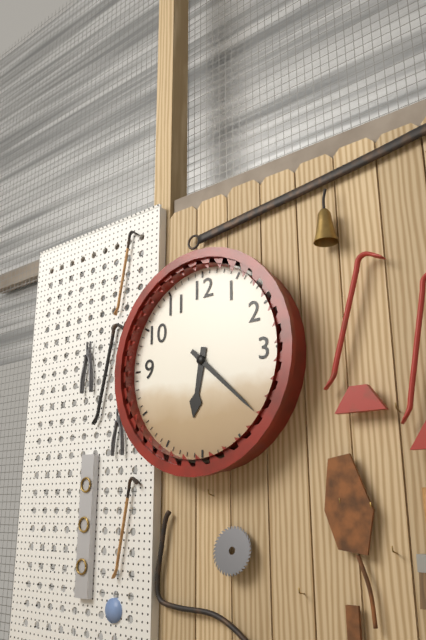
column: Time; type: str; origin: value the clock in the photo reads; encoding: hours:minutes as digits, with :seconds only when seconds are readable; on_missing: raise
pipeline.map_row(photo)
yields 6:22
